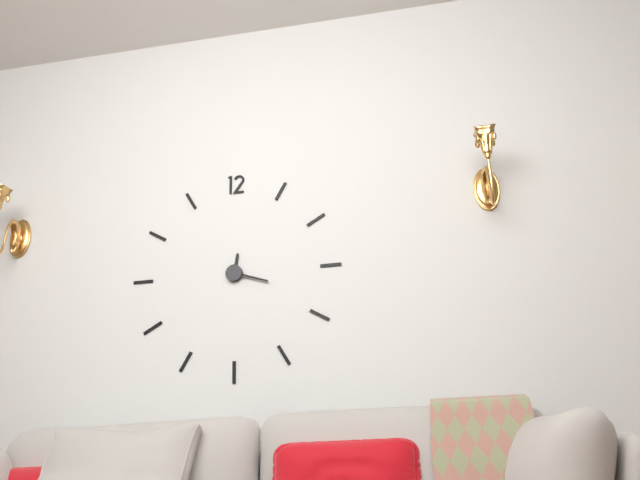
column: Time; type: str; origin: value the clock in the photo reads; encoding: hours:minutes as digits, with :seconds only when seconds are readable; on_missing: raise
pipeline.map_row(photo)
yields 12:18
